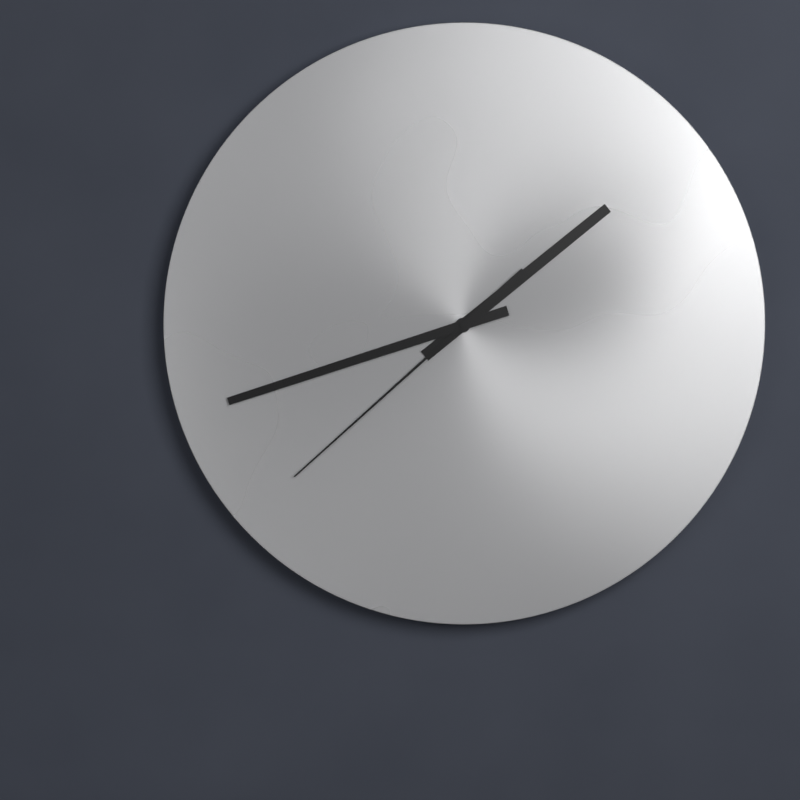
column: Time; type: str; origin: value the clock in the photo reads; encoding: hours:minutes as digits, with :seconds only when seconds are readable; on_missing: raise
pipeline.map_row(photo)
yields 1:42:38
